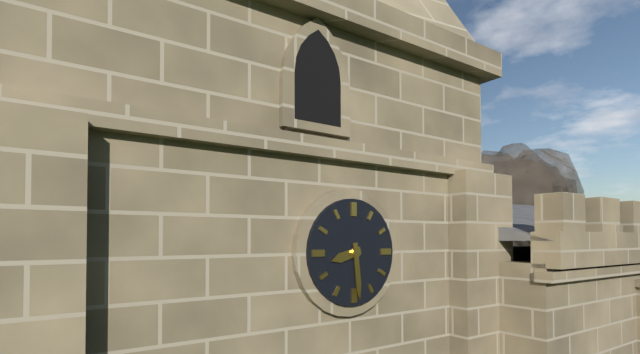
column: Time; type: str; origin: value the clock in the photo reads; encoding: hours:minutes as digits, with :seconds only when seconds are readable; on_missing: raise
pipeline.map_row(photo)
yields 8:29
